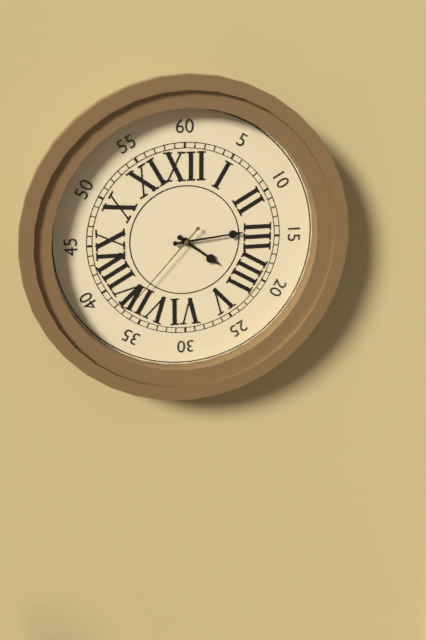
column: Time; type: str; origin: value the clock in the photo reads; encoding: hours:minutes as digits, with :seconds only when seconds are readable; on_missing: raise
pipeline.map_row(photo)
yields 4:14:37
